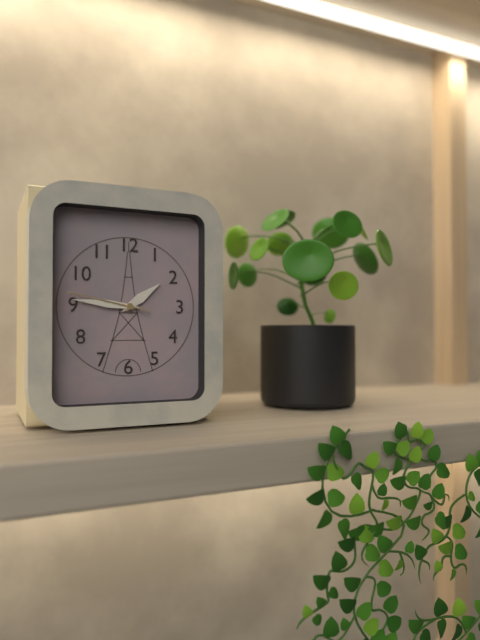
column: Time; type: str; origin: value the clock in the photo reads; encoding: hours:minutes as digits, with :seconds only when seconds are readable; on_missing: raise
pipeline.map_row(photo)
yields 1:46:47
